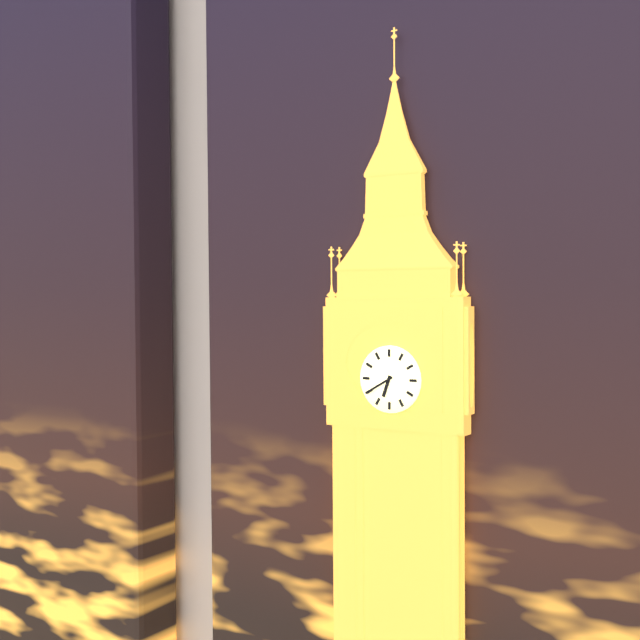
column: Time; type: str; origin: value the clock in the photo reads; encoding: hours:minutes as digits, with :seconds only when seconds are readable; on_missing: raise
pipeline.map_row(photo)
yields 6:40
